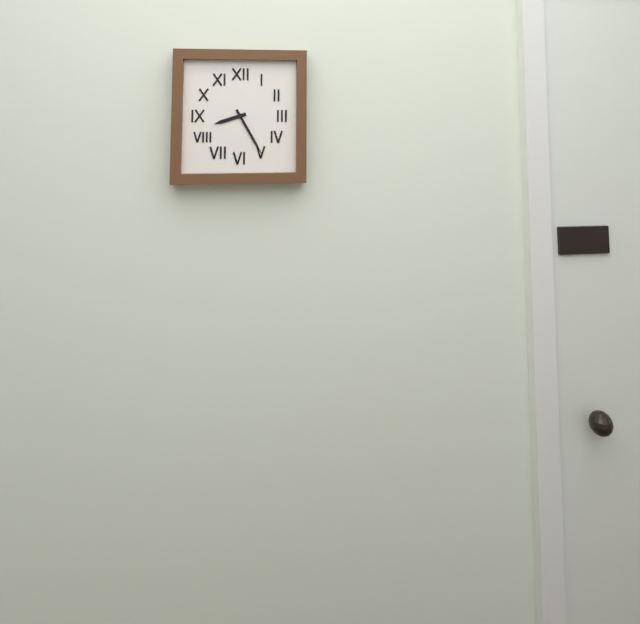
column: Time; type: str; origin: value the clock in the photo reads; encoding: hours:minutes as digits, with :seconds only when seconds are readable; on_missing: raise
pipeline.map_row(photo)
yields 8:25
